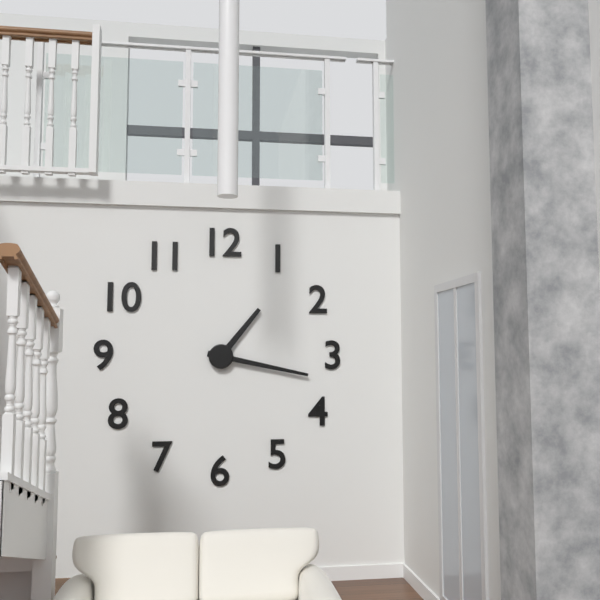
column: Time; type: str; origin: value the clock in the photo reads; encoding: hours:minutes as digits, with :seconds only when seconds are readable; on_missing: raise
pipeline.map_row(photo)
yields 1:17
